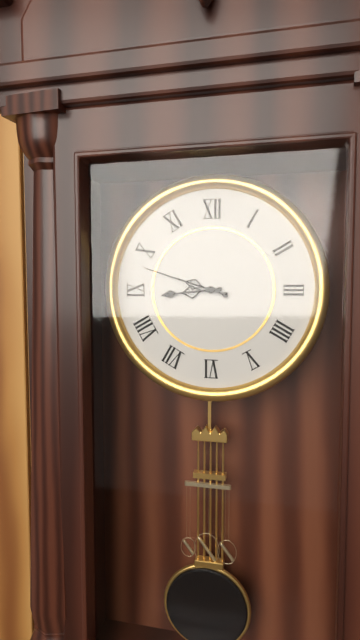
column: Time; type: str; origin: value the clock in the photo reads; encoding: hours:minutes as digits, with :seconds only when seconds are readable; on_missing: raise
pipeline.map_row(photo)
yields 8:48
